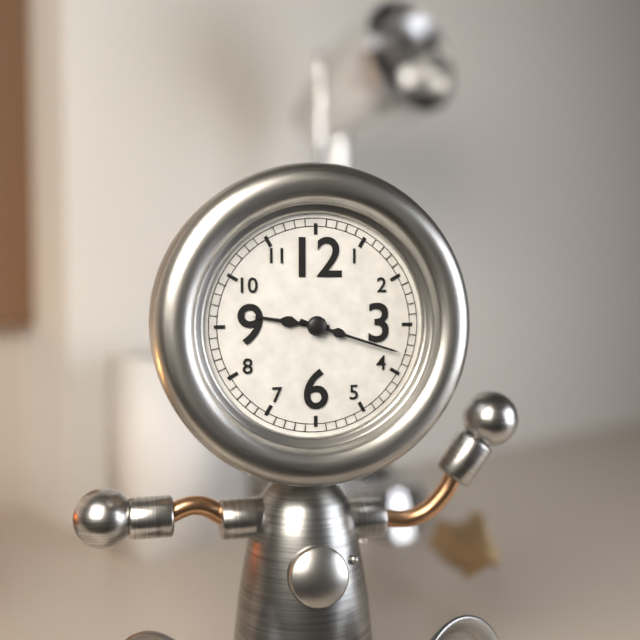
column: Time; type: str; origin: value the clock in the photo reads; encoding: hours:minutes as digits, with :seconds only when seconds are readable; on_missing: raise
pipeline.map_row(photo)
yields 9:18
